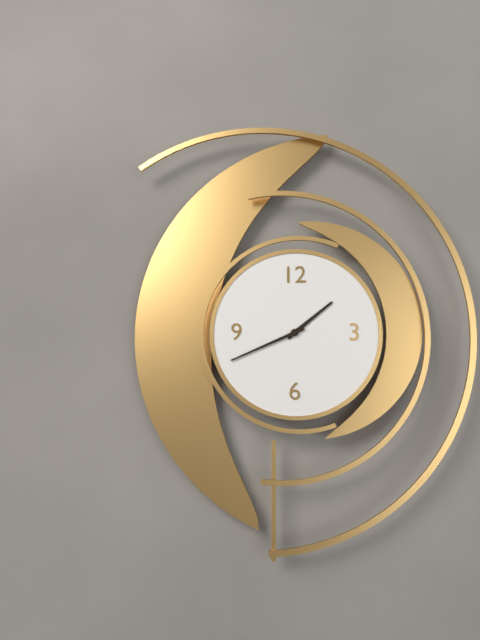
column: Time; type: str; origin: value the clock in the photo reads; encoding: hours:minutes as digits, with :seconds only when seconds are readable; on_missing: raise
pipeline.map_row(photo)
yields 1:41
